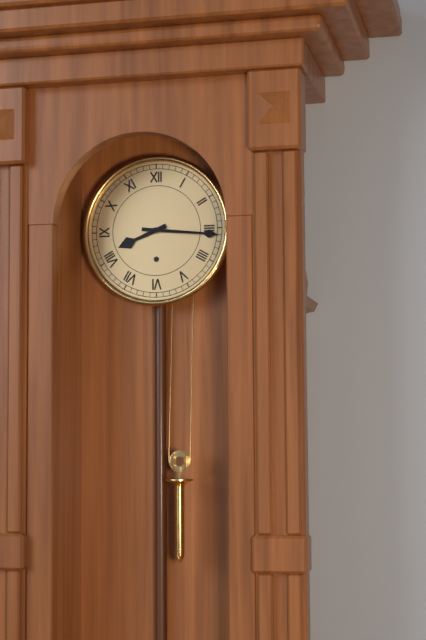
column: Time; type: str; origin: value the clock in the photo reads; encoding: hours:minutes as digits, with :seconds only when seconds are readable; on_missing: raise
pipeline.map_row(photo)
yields 8:16
